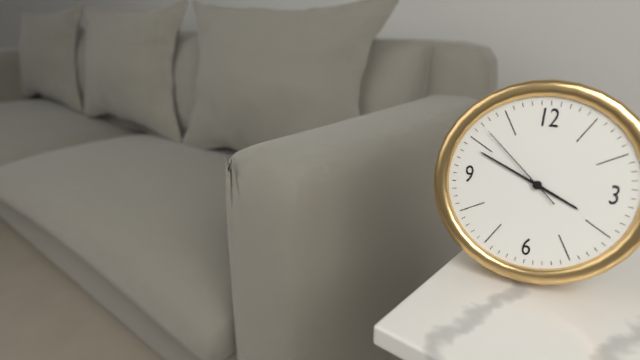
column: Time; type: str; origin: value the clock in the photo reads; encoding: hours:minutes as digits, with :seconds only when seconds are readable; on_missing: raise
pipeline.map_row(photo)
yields 3:49:52
